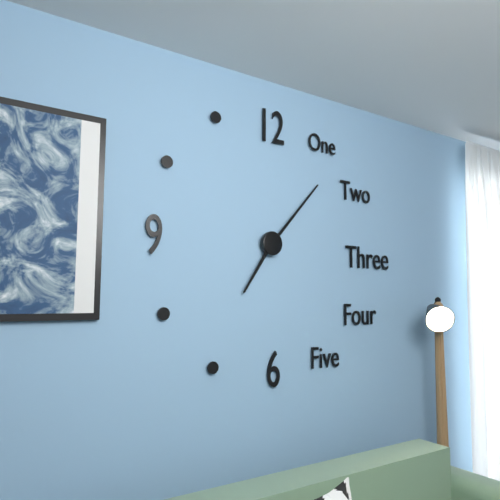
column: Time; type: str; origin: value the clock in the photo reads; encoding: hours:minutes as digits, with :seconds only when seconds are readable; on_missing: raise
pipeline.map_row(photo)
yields 7:07
